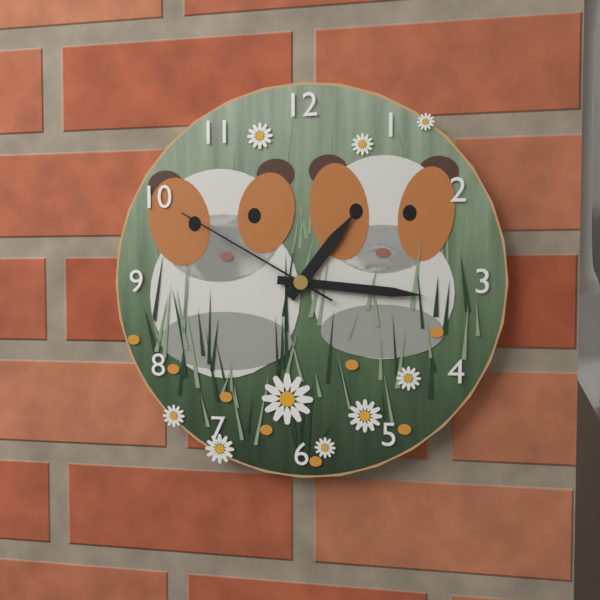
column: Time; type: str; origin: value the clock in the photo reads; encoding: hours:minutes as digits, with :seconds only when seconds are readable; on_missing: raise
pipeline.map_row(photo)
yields 1:16:50
